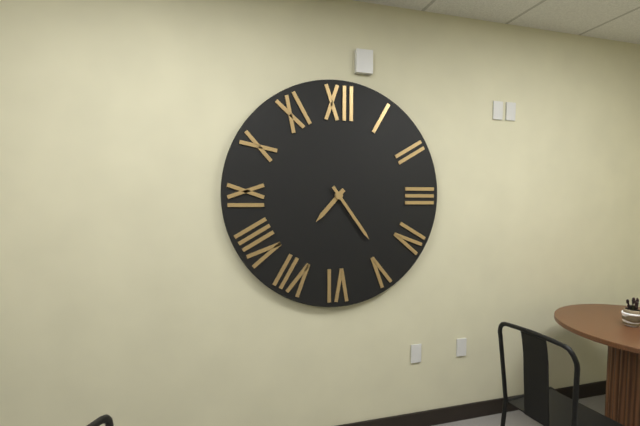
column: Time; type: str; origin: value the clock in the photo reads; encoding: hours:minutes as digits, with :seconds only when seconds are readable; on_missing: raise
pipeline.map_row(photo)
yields 7:24
